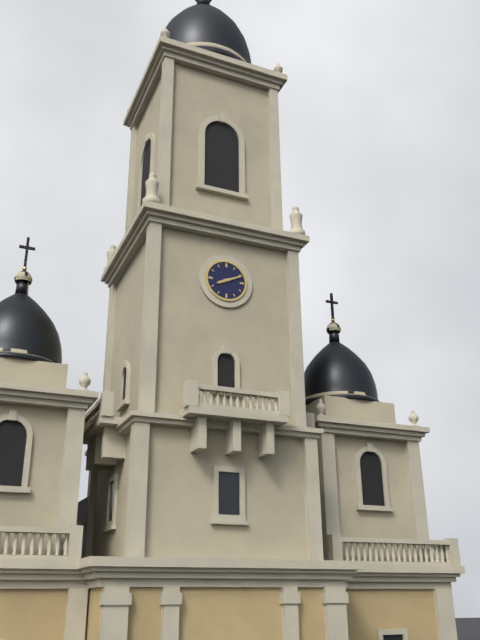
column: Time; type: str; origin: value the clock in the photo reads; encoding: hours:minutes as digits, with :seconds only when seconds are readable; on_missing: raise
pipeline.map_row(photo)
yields 8:11
